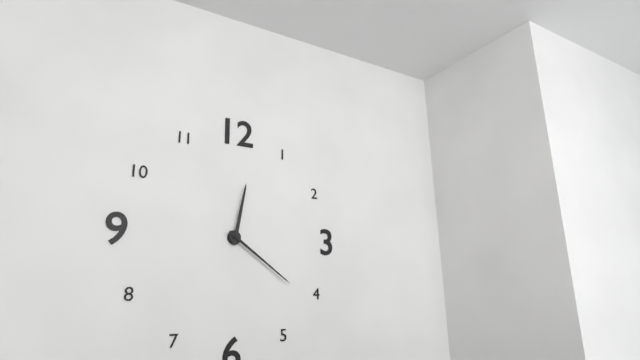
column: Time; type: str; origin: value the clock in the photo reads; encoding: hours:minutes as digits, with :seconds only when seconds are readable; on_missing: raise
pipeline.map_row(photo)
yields 12:21
